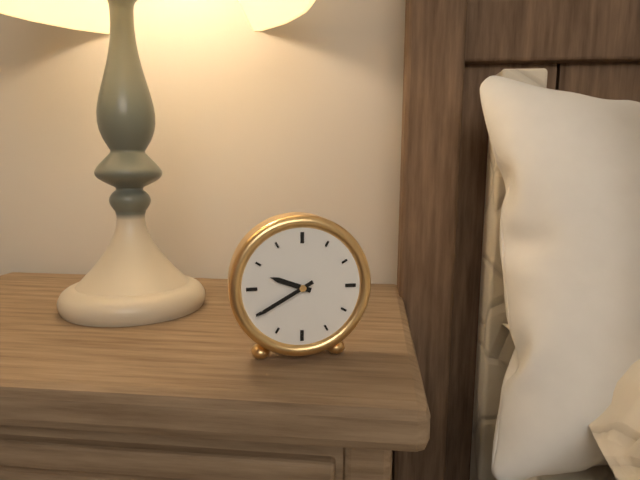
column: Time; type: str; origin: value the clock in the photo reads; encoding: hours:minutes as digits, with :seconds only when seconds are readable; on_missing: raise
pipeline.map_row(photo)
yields 9:40
